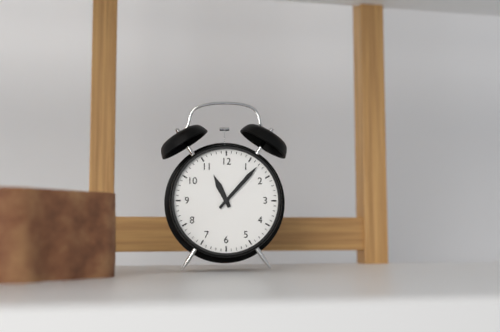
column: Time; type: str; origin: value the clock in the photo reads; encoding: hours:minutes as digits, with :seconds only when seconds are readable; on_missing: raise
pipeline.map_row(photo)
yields 11:07
